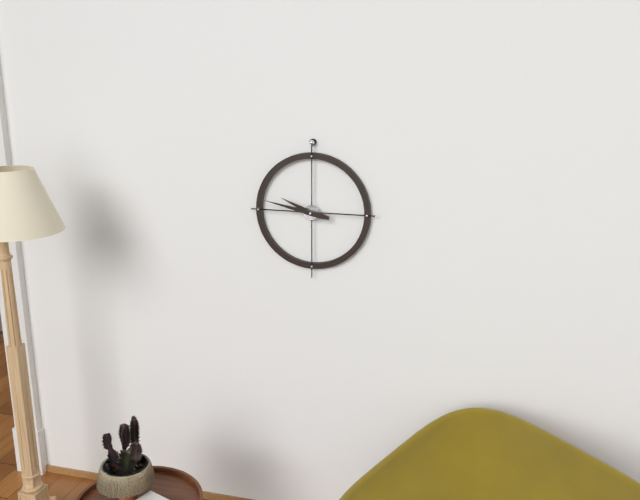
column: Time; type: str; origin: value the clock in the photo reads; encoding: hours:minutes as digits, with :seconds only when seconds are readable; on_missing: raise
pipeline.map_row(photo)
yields 9:47
